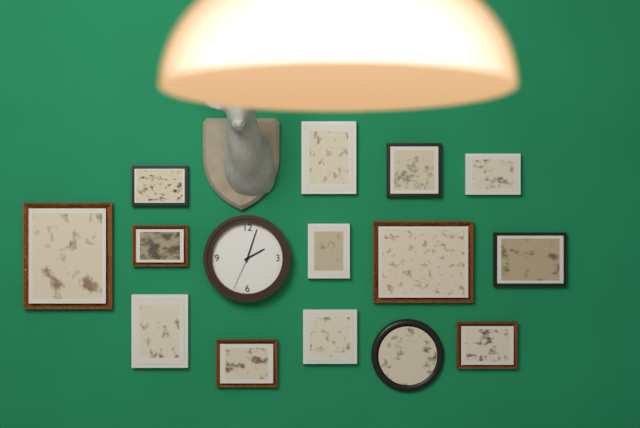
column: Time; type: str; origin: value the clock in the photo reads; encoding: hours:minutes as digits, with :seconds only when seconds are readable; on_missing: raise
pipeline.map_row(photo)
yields 2:03
